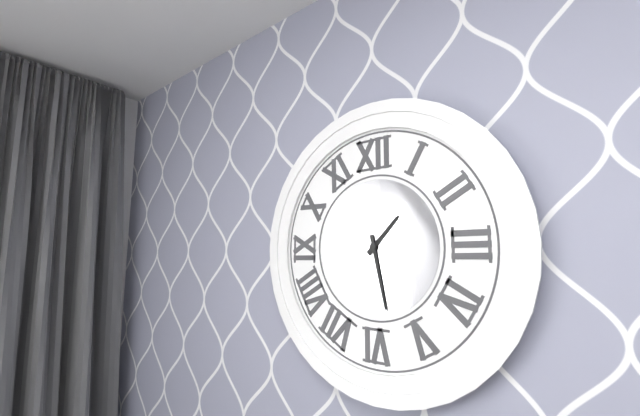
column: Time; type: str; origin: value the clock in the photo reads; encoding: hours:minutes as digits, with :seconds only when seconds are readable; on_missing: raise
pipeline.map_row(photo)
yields 1:28
